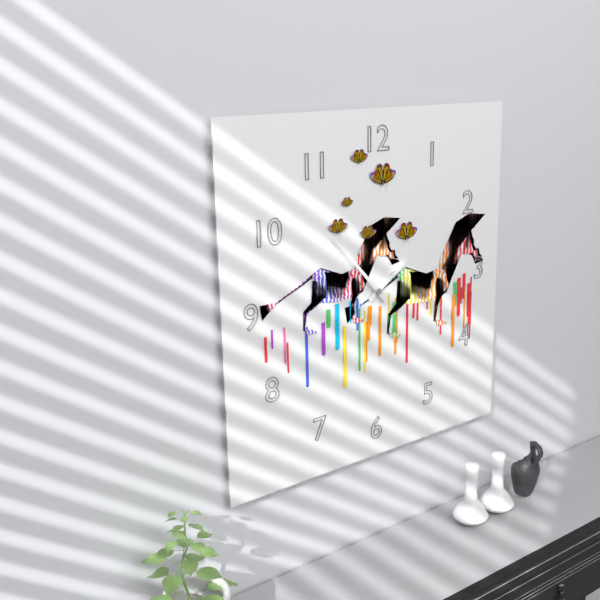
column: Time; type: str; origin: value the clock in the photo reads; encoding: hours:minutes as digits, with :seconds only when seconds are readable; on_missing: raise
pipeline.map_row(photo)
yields 1:53
